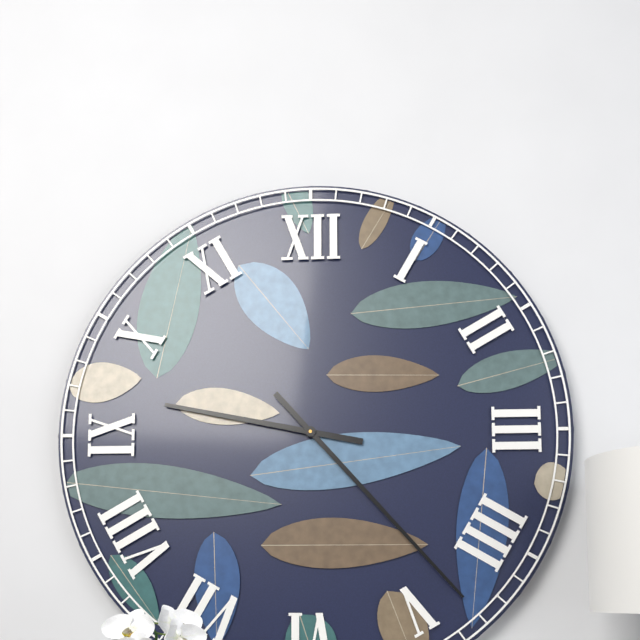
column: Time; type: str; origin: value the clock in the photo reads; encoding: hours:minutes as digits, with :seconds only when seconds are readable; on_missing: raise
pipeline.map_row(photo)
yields 9:23
